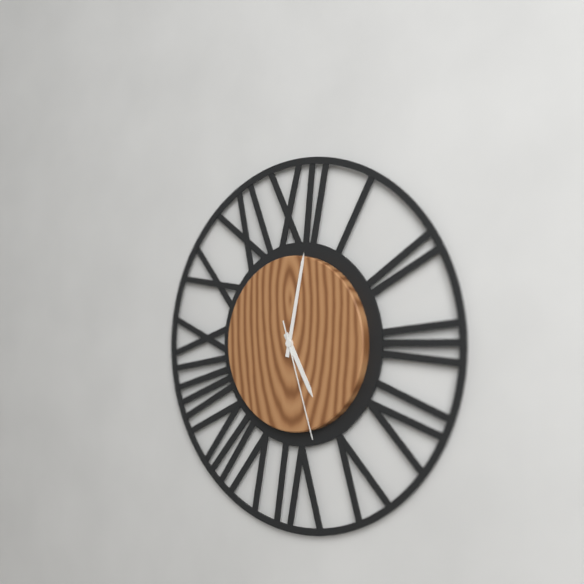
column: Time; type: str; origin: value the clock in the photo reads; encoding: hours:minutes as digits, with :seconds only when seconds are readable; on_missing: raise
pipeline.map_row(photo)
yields 5:02:27
